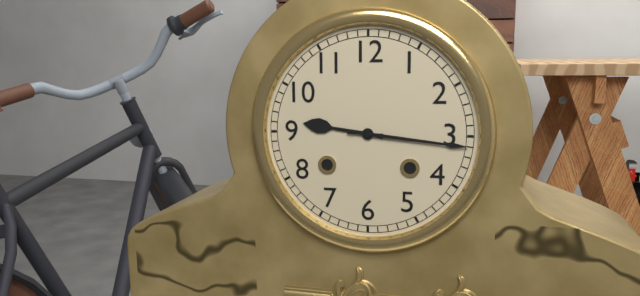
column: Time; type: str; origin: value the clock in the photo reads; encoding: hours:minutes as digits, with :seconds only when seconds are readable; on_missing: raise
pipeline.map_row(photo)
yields 9:16
